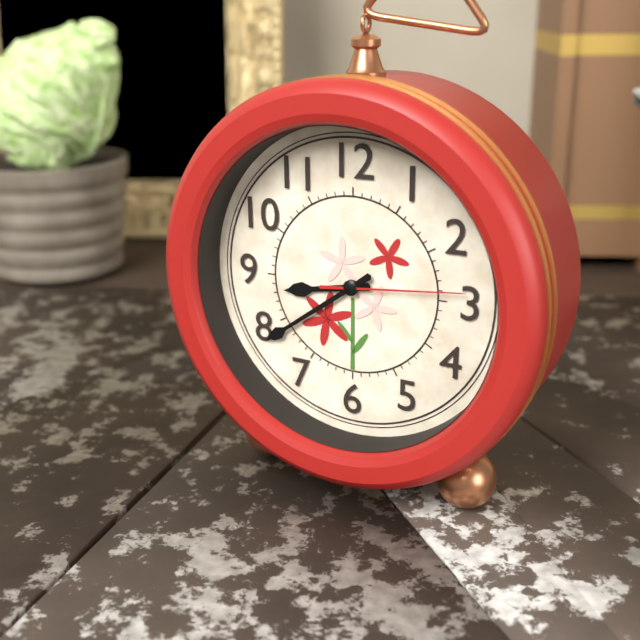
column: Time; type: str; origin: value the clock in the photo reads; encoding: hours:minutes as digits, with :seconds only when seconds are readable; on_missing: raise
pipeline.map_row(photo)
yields 8:39:14
